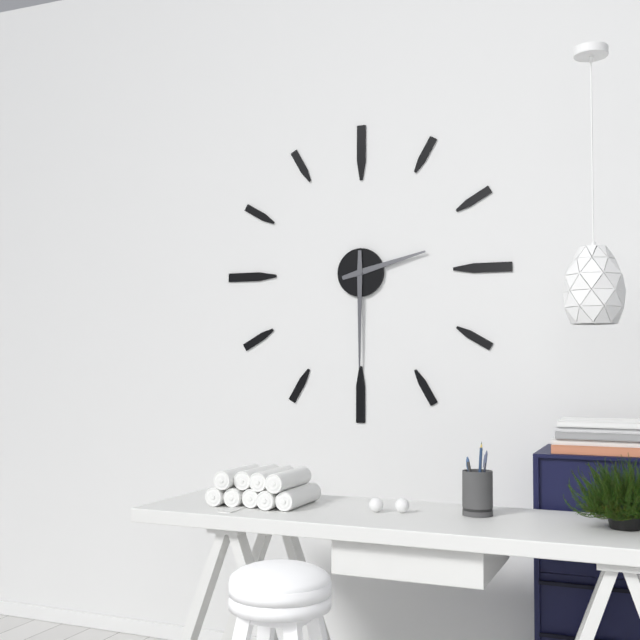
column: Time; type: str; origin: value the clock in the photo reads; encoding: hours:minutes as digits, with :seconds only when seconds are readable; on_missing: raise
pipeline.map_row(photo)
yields 2:30
